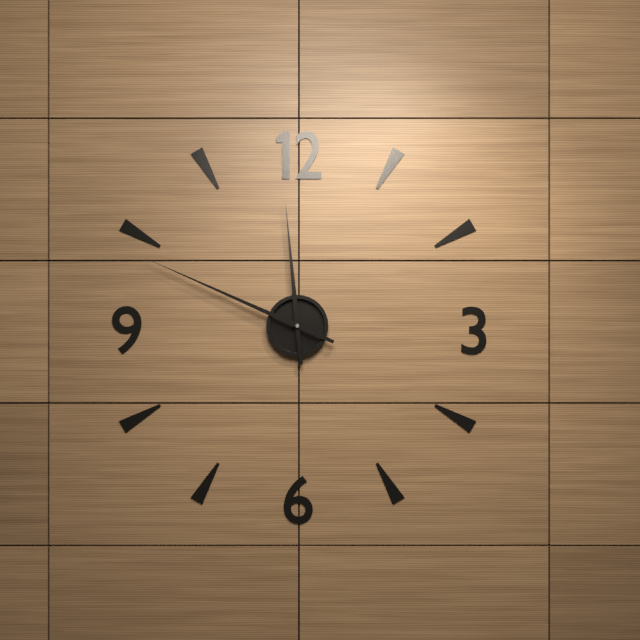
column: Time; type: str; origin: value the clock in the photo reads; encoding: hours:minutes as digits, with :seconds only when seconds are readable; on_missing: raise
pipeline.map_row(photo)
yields 11:49
